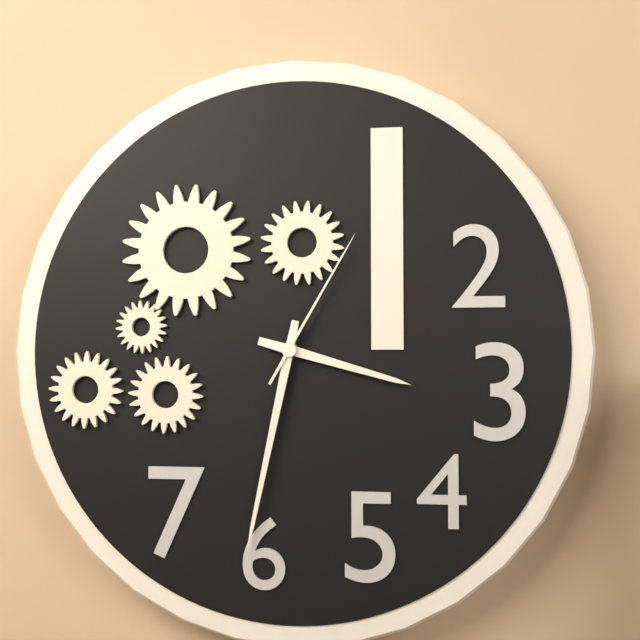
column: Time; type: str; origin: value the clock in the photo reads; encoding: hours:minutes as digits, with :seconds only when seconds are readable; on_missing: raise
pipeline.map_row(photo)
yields 3:32:05
